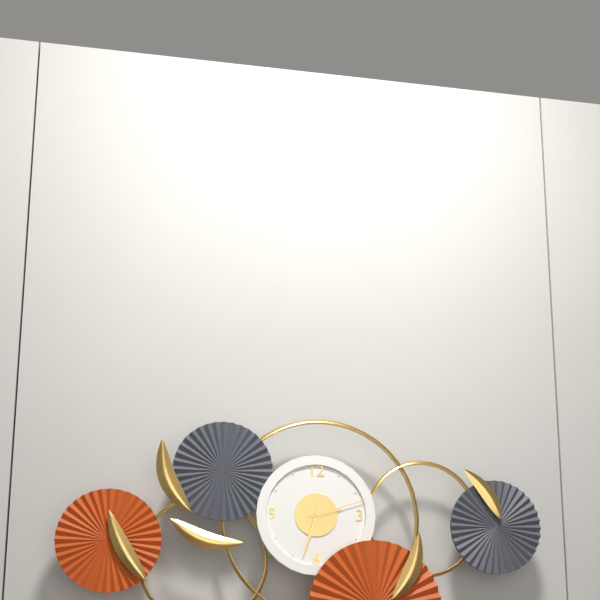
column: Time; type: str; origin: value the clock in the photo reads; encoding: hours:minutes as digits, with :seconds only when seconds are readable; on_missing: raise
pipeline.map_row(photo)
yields 2:33:12
